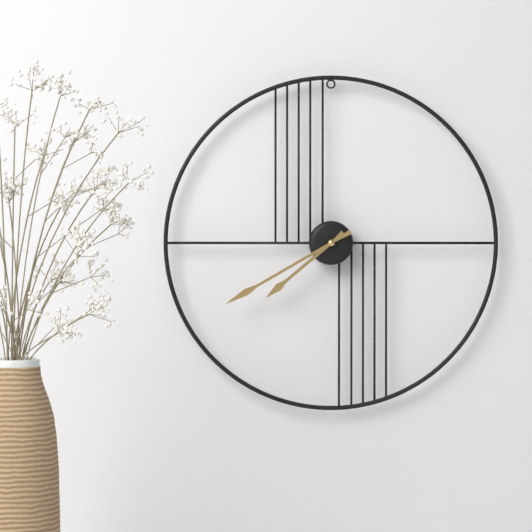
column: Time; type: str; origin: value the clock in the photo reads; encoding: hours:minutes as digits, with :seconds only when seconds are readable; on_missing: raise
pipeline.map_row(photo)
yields 7:40
